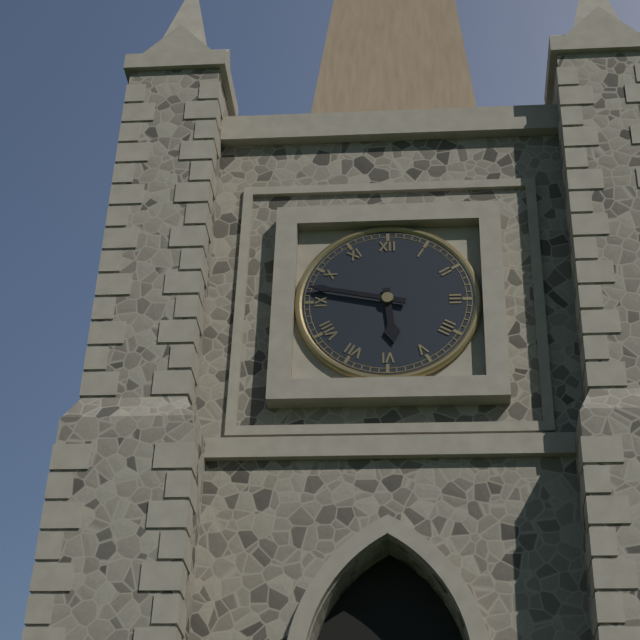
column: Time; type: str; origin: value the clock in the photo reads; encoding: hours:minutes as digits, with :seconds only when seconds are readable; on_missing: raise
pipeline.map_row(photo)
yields 5:47
